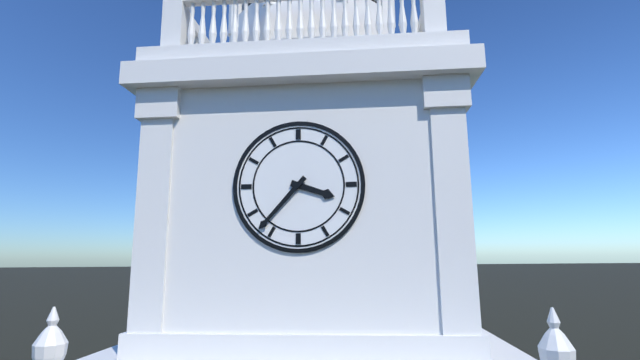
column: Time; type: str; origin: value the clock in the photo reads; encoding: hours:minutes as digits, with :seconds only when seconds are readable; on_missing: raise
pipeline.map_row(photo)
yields 3:37
